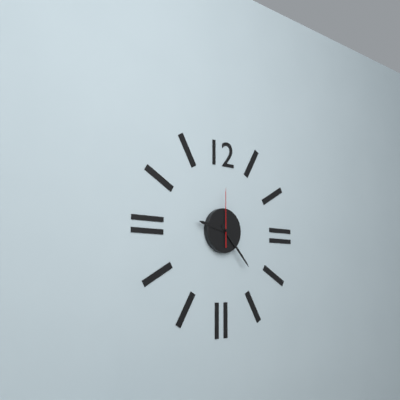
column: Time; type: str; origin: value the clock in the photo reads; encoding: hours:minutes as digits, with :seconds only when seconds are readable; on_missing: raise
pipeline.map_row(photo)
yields 9:23:00
